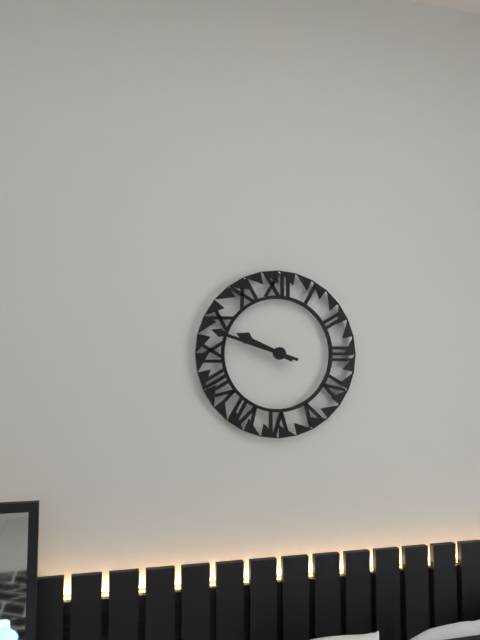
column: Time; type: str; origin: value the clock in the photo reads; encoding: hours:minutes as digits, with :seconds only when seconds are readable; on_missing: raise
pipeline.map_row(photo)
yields 9:48
